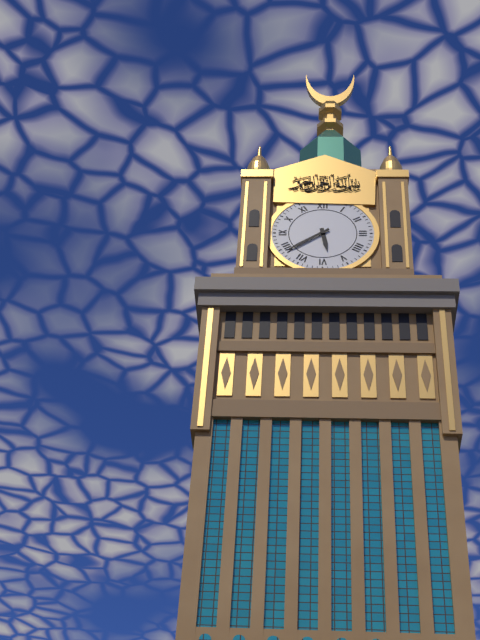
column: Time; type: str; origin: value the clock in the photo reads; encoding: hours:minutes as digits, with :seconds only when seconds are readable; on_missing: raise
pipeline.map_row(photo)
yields 5:39
